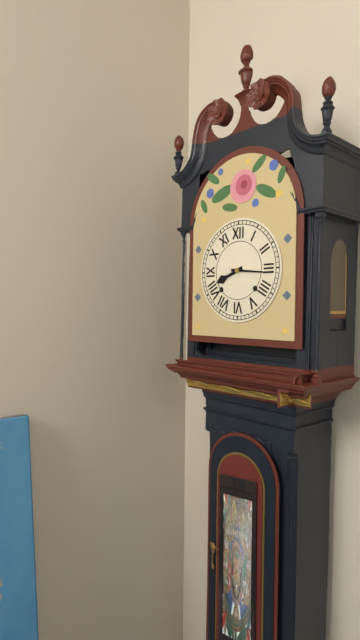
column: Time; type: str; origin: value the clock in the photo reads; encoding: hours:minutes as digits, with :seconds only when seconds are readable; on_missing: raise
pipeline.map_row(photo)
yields 8:16
